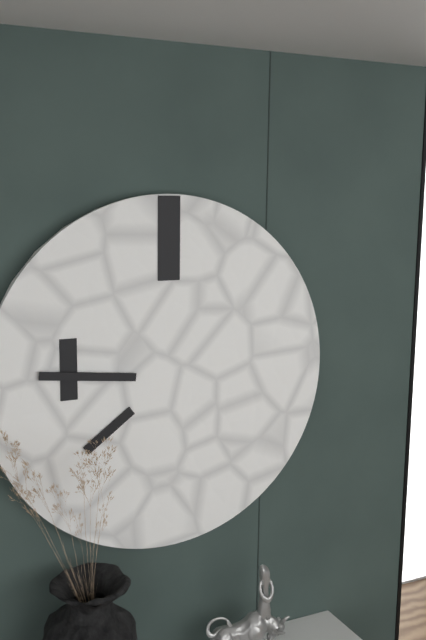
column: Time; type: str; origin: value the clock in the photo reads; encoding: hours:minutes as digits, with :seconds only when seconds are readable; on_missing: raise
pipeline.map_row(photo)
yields 7:46
